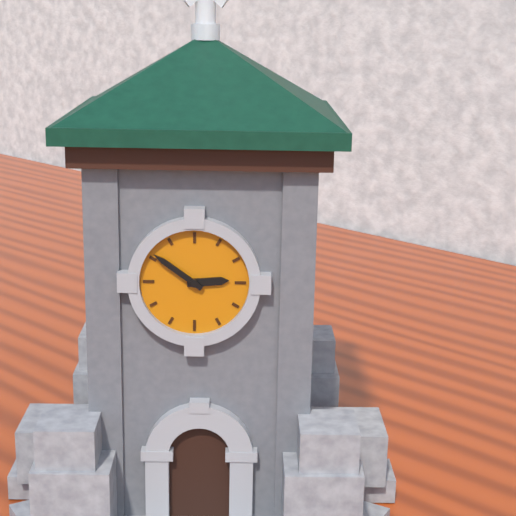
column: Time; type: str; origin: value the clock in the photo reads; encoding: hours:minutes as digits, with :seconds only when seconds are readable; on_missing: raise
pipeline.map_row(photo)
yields 2:51
